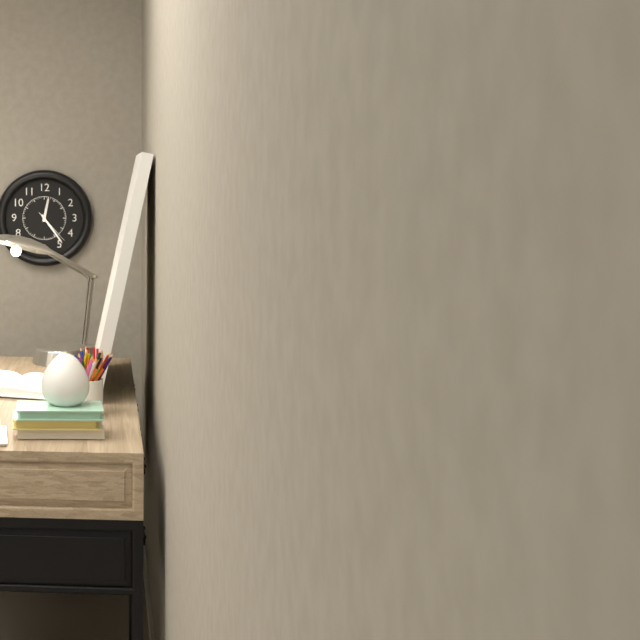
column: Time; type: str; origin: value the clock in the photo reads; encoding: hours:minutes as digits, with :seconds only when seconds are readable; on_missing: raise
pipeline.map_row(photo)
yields 12:24
